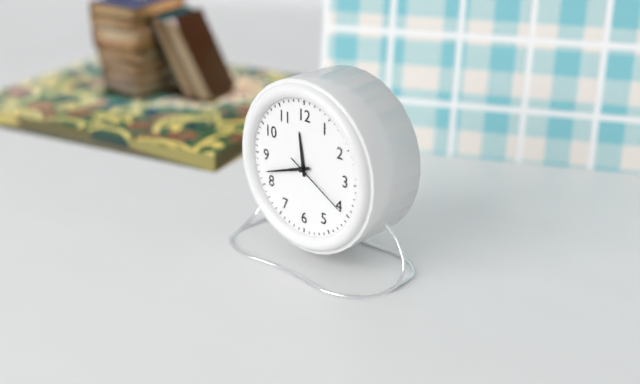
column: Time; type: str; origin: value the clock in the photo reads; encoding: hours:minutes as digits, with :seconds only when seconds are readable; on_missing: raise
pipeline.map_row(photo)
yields 11:42:20
